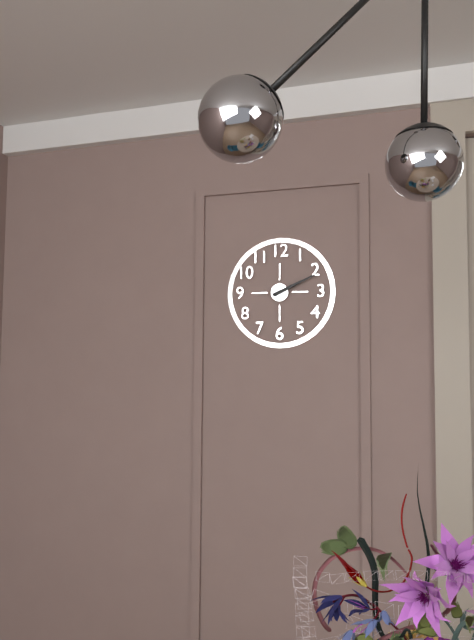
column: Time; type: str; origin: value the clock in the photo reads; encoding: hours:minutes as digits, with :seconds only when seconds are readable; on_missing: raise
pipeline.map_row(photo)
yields 2:11
